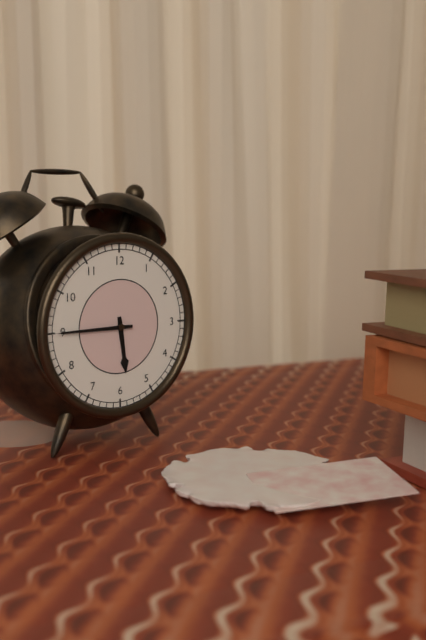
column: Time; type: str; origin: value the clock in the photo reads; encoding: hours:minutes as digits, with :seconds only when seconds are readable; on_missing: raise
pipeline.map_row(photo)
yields 5:45
